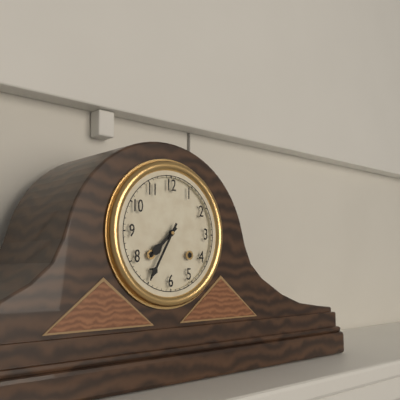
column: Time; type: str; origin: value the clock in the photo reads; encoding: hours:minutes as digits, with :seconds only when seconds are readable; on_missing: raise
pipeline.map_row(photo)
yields 7:35
